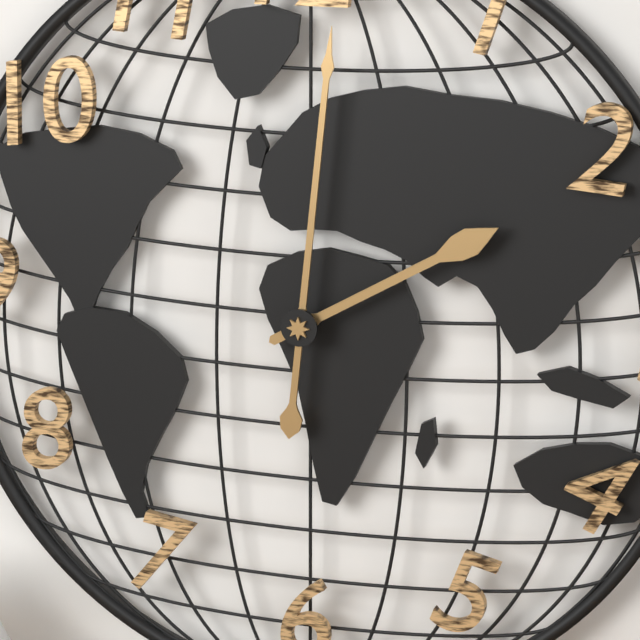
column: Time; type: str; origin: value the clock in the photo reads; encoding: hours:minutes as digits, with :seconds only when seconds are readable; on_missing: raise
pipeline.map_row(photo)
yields 2:01
